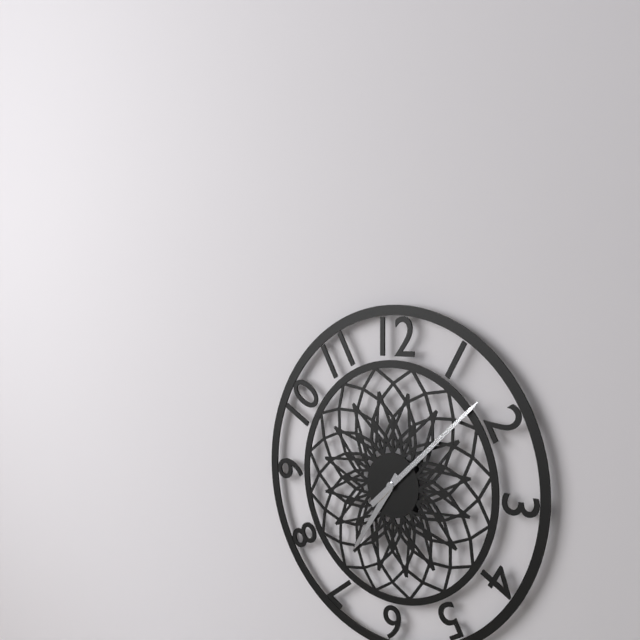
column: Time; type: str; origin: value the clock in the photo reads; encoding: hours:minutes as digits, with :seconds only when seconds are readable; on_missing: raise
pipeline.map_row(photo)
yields 7:08
